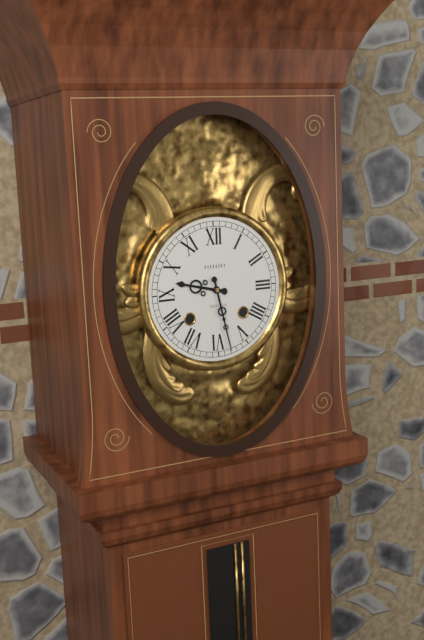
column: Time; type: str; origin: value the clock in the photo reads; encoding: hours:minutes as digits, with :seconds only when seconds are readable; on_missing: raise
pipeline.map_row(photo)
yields 9:28
